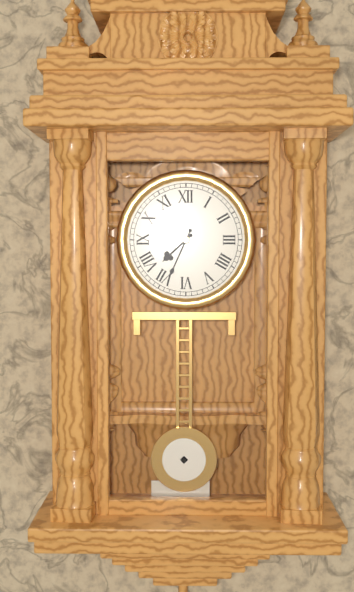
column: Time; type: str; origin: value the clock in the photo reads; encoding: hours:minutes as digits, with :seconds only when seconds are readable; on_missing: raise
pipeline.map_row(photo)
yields 7:34
